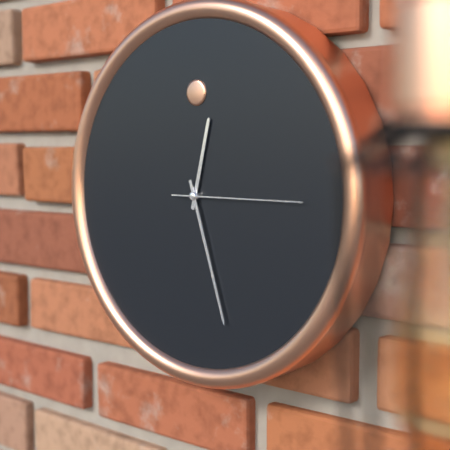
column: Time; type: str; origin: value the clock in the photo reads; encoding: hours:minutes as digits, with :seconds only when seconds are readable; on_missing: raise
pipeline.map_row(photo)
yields 12:27:15
